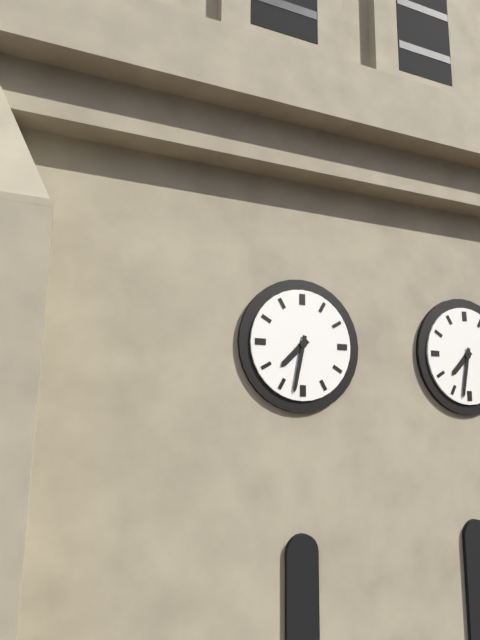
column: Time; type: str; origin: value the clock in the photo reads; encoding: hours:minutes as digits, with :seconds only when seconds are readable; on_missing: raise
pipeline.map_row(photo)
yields 7:32
